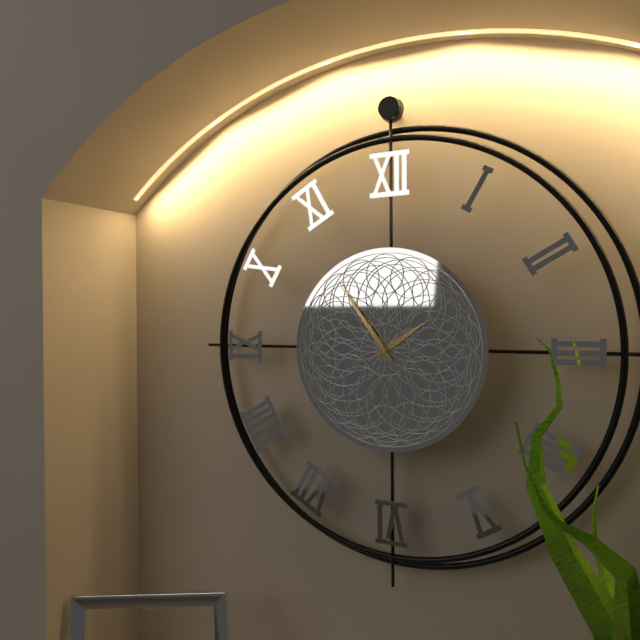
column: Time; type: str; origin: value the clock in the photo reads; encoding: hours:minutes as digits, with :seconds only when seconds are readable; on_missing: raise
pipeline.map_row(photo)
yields 1:54
